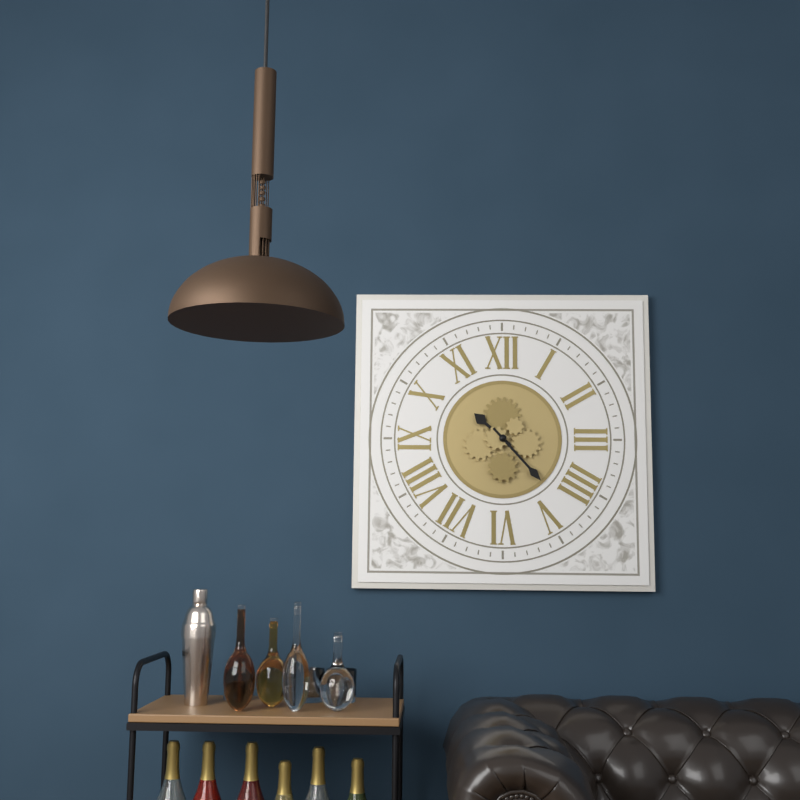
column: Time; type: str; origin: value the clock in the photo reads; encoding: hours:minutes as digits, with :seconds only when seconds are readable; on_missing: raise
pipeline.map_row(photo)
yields 10:23
